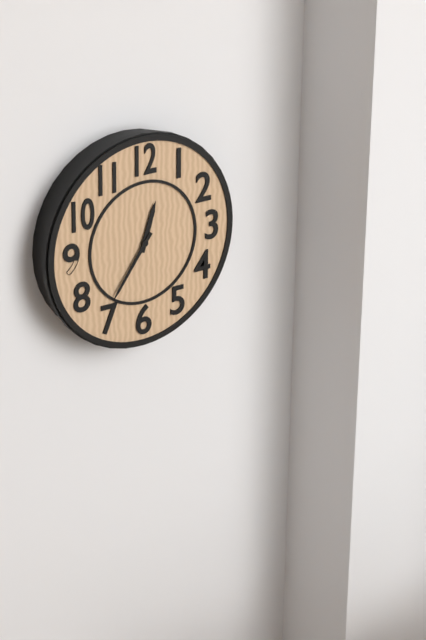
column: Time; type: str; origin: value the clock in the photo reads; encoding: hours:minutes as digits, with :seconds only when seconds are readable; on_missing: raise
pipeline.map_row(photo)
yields 12:36
